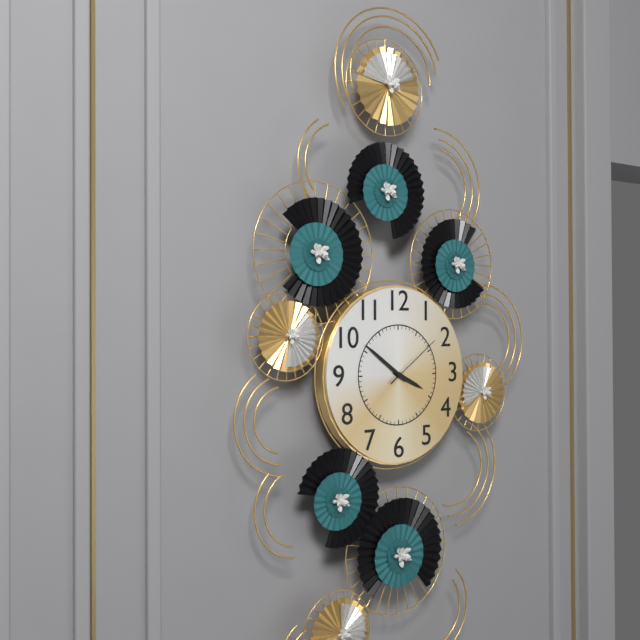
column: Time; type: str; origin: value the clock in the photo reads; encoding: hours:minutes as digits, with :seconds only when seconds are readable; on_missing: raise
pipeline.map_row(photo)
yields 3:51:09
